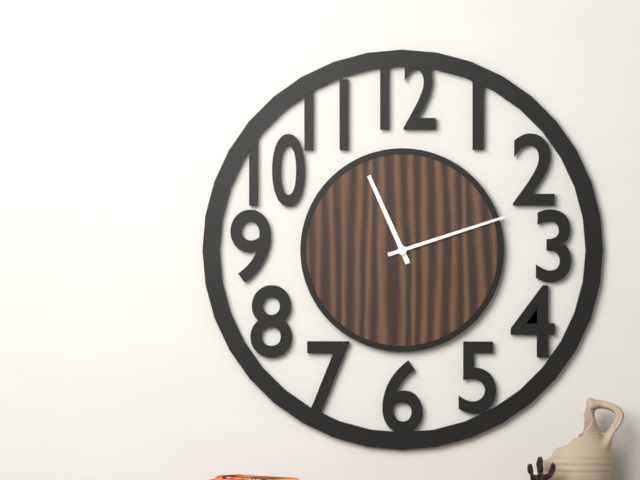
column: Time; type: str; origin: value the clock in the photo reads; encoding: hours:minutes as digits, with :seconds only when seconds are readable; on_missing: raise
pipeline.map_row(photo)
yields 11:12
